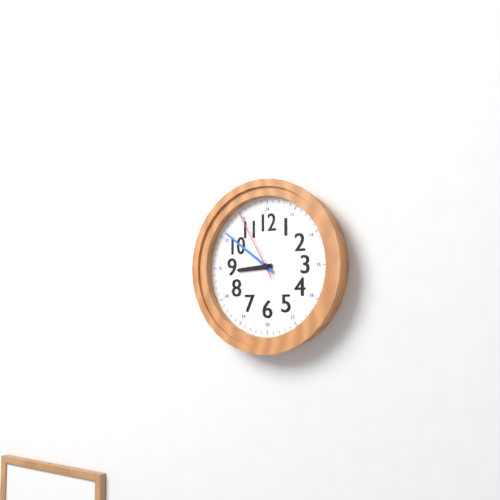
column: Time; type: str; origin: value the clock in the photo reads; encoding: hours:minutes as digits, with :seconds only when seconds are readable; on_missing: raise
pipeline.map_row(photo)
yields 8:51:55
